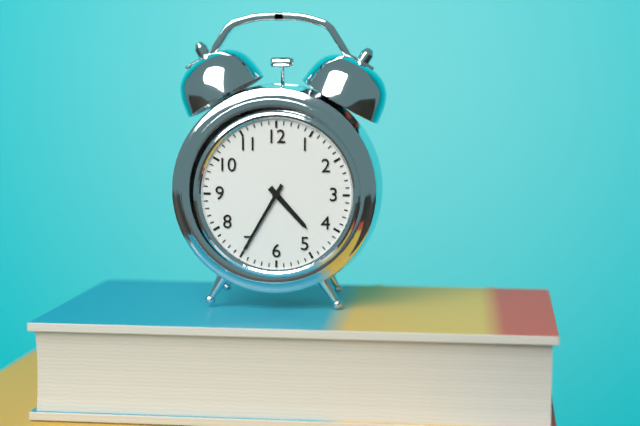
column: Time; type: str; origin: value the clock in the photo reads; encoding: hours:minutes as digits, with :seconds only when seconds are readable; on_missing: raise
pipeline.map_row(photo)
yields 4:35
